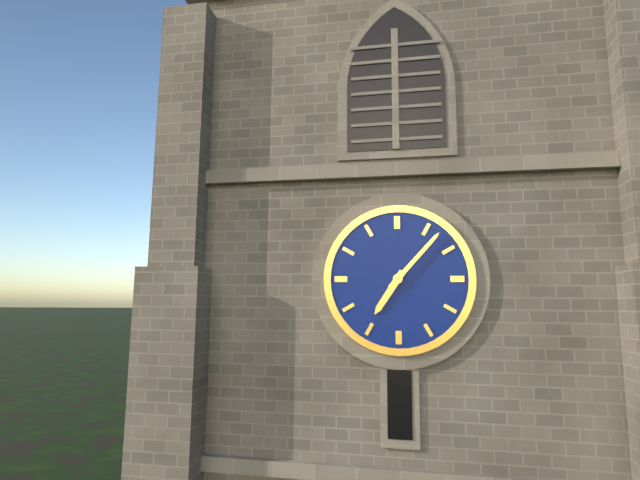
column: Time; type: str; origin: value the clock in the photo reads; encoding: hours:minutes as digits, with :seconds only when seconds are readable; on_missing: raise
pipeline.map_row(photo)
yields 7:07
